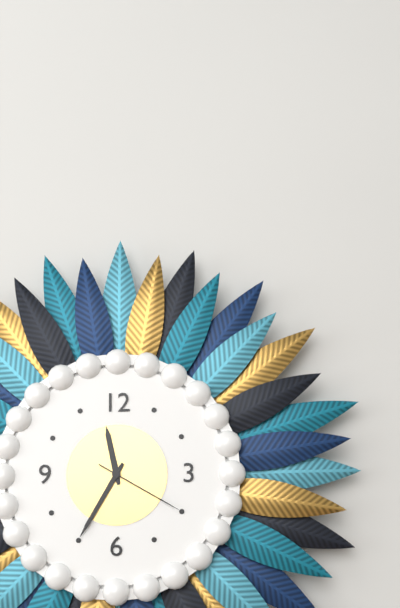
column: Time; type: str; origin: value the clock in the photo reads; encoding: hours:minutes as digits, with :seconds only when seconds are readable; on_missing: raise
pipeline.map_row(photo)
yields 11:35:20
